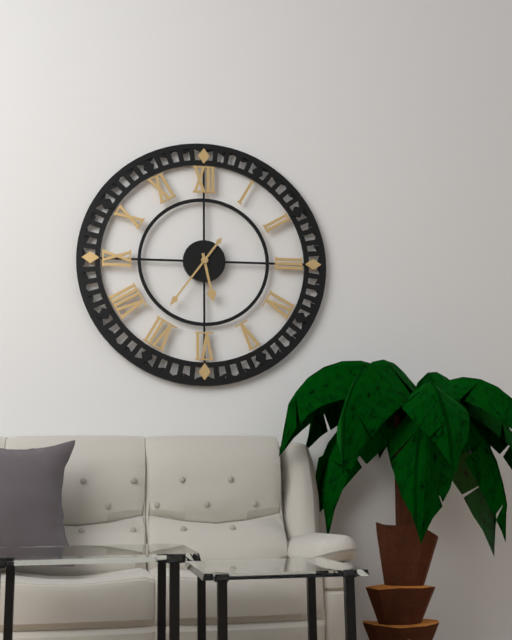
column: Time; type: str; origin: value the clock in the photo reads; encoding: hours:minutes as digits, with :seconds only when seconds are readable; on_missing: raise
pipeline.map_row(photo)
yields 5:36
